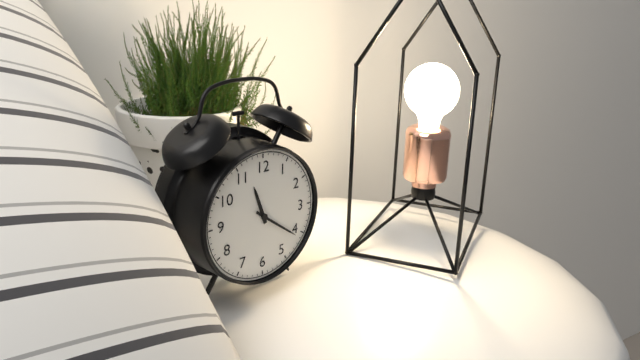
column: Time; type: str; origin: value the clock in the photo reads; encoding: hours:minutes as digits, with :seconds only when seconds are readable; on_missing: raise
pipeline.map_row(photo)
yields 11:21
